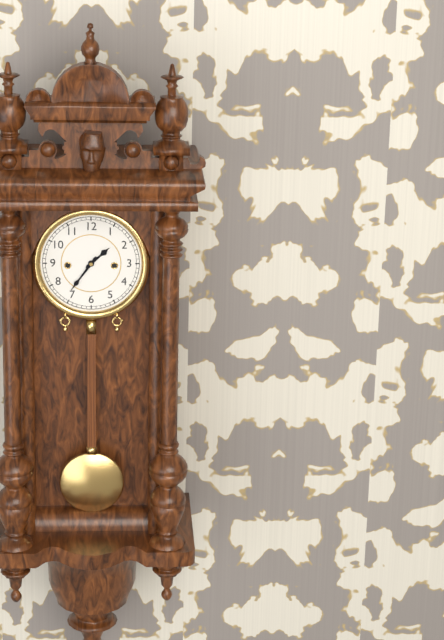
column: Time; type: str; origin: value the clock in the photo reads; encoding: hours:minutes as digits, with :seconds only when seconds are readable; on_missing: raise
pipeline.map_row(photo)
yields 1:36
